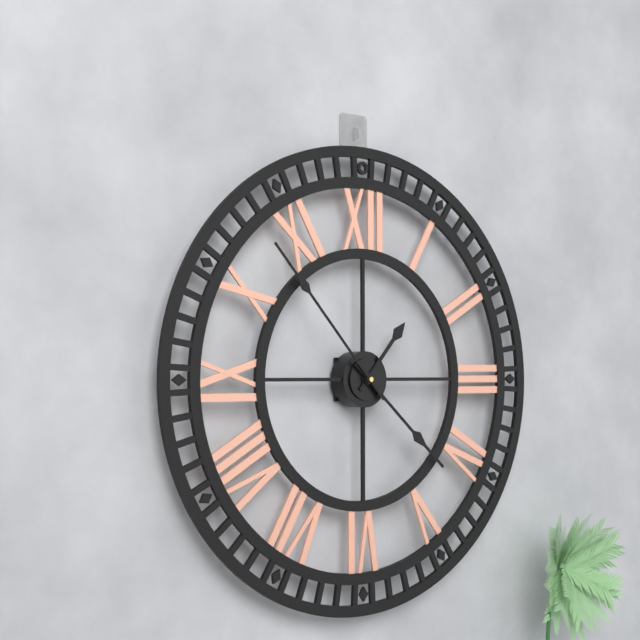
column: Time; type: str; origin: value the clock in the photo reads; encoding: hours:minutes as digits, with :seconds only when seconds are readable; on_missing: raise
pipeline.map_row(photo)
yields 1:22:53
